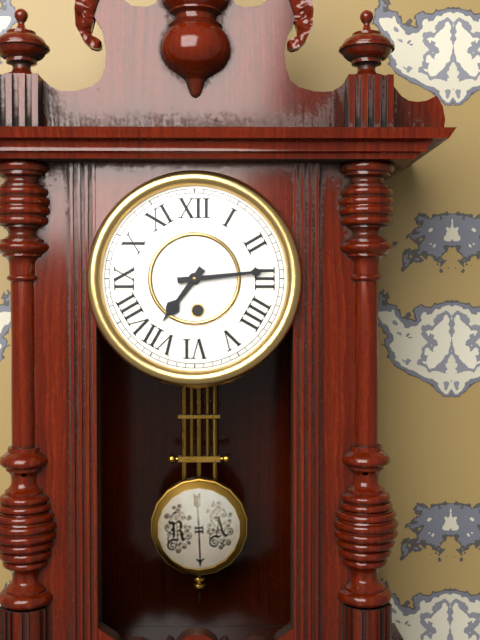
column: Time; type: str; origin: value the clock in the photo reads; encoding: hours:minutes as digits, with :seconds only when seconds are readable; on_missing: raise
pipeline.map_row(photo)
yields 7:14
